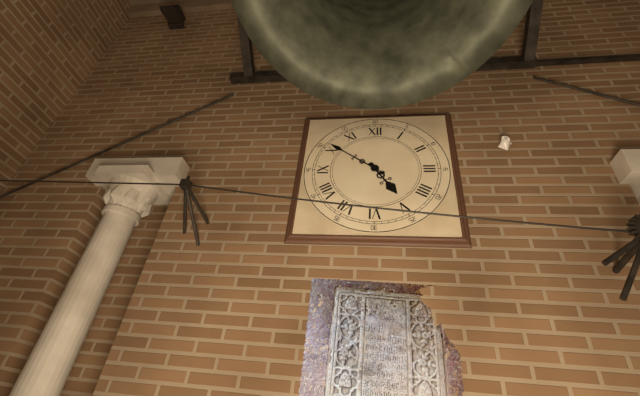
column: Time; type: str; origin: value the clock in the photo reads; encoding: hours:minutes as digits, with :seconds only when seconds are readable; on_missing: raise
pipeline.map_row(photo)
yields 4:51
